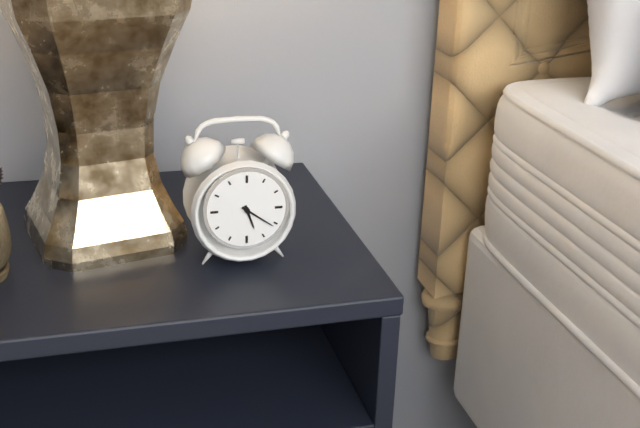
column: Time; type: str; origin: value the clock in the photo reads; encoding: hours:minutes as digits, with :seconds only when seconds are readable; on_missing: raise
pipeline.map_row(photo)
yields 5:21
